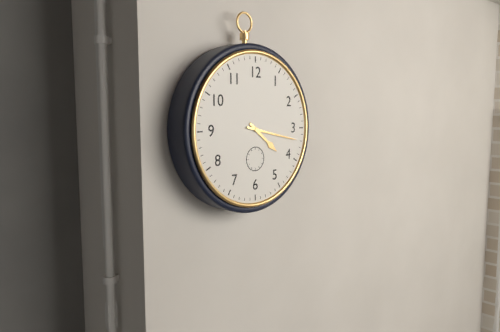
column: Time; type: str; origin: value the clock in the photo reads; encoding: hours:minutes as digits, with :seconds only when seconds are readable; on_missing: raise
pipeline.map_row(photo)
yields 4:17
